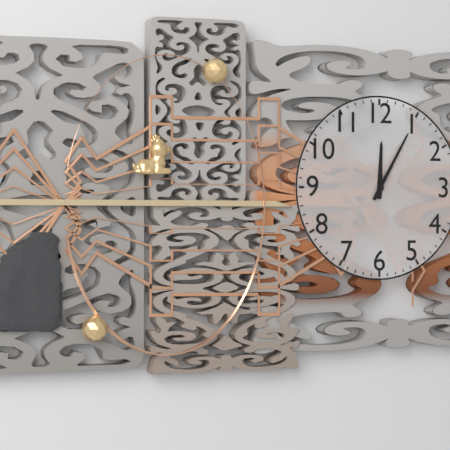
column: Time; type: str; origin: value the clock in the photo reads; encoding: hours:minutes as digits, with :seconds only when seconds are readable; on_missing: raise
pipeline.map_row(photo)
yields 12:05
